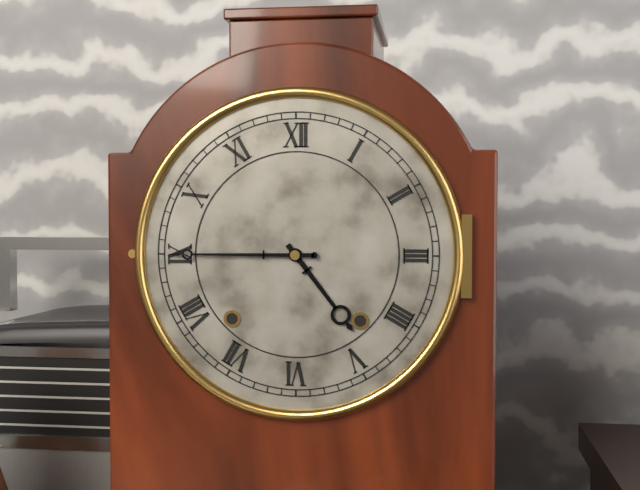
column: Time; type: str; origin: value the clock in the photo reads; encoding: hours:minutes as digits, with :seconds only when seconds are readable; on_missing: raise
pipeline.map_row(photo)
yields 4:45
